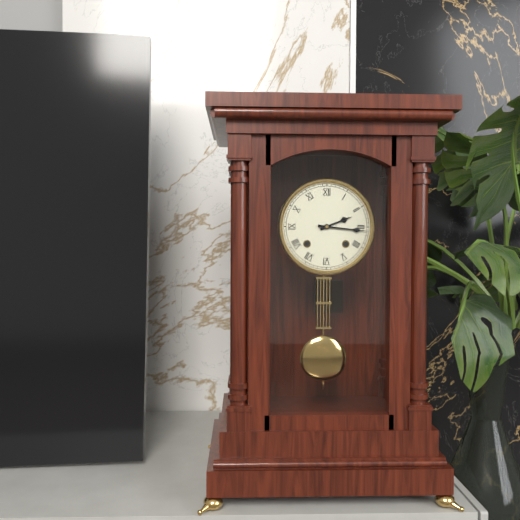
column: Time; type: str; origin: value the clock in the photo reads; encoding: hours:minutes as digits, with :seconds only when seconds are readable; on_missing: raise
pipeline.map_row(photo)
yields 2:16
